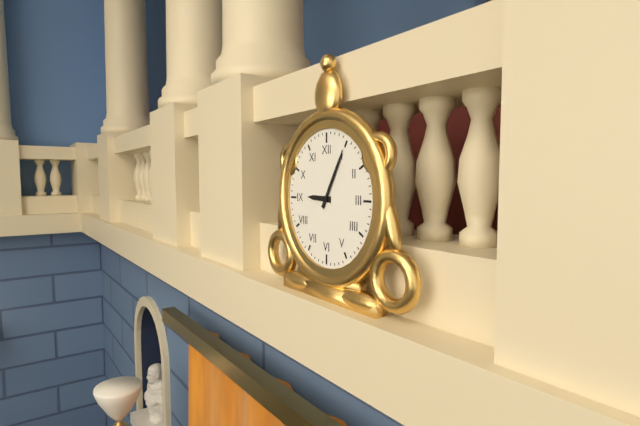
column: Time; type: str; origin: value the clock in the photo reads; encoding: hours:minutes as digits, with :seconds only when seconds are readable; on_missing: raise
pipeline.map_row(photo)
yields 9:05
